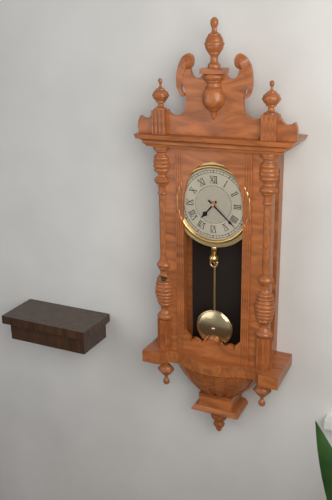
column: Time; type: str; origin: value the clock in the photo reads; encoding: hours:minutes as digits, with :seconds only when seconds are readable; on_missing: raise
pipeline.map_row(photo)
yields 7:22
